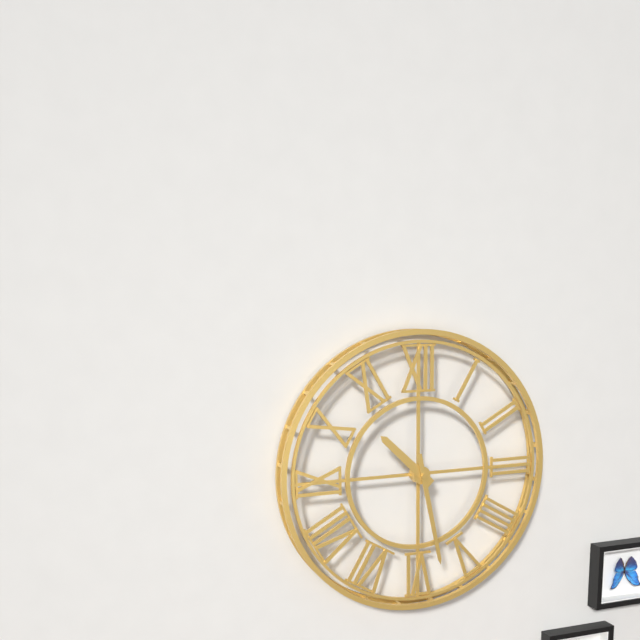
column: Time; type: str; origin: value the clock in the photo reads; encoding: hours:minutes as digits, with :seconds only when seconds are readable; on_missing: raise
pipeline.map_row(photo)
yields 10:28
